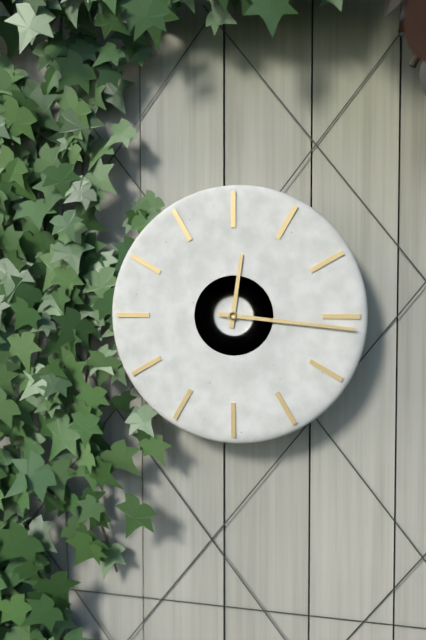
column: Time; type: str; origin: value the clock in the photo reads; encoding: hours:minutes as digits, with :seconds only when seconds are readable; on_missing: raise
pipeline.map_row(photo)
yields 12:16
